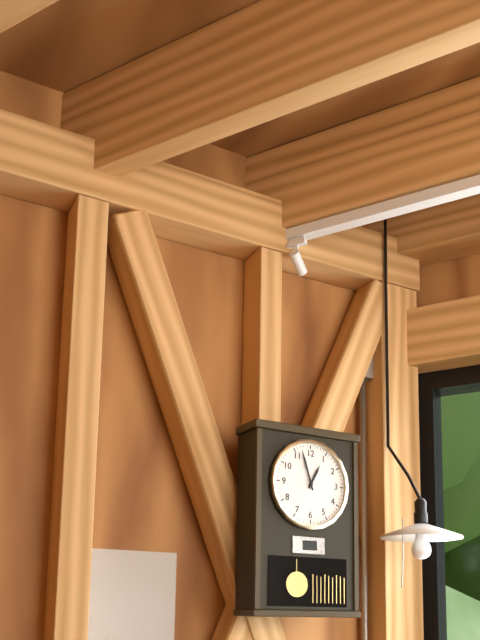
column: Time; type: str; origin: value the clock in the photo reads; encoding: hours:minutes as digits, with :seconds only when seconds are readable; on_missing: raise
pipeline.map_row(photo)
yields 12:57
